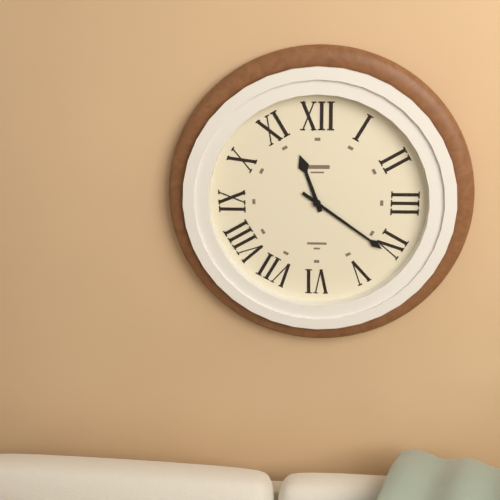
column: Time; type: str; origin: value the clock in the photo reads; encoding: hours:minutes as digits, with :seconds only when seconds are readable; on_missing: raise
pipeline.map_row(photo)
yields 11:21
